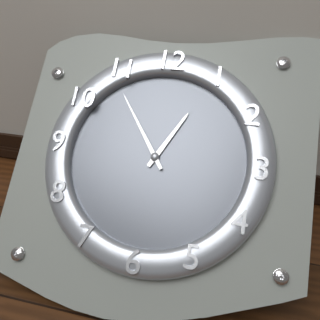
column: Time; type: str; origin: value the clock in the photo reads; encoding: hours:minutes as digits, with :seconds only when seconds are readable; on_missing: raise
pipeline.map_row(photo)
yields 12:54
